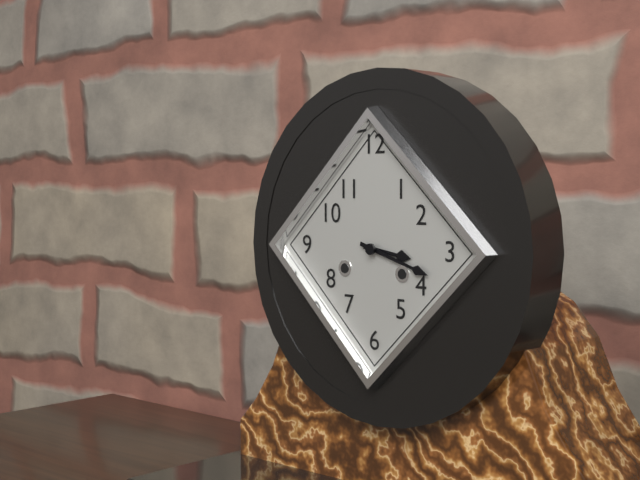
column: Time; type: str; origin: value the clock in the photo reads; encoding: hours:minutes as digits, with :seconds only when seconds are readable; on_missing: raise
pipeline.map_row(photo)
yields 3:18
